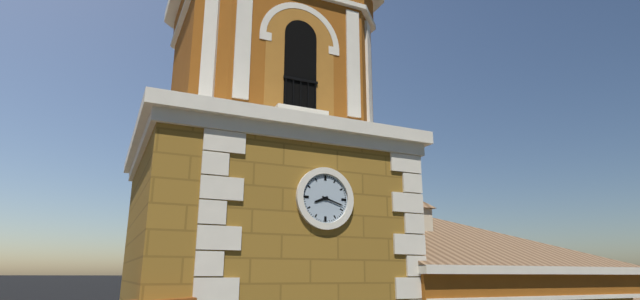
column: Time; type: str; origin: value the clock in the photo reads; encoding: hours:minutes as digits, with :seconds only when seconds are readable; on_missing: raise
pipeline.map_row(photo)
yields 8:18
